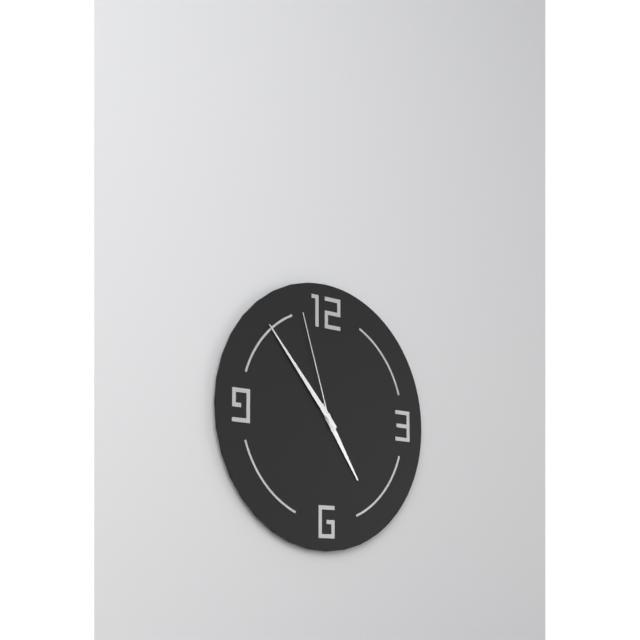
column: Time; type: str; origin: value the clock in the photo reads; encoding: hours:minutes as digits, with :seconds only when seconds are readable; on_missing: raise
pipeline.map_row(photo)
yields 4:53:57
